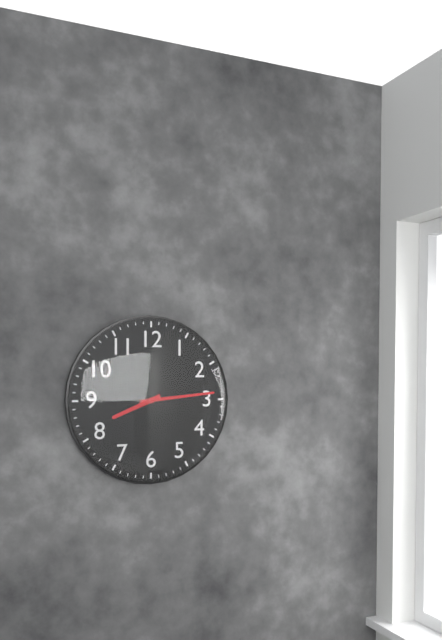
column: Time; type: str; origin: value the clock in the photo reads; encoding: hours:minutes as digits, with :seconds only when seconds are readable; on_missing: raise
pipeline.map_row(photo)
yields 8:14
